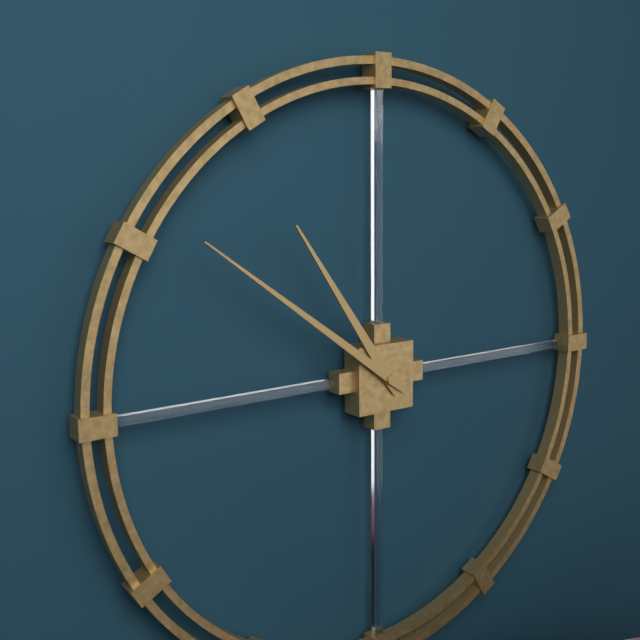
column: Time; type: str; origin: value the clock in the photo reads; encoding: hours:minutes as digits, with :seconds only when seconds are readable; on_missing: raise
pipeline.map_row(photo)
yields 10:51
